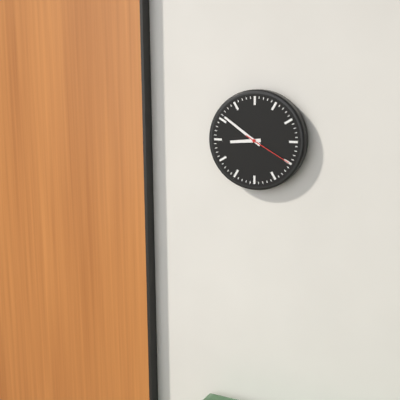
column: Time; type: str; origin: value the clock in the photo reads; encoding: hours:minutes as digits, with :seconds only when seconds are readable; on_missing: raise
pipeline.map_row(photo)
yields 8:51:20
